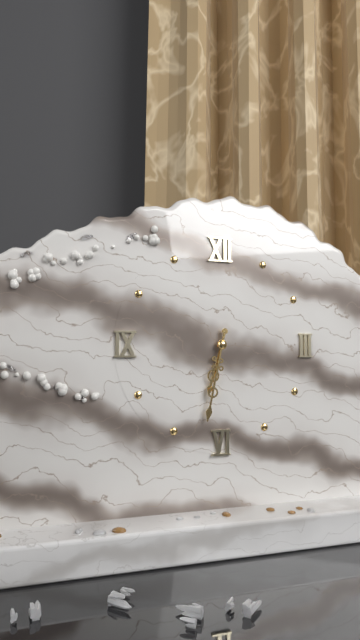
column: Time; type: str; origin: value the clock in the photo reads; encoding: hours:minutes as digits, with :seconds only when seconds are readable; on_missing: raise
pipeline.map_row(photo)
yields 6:32
